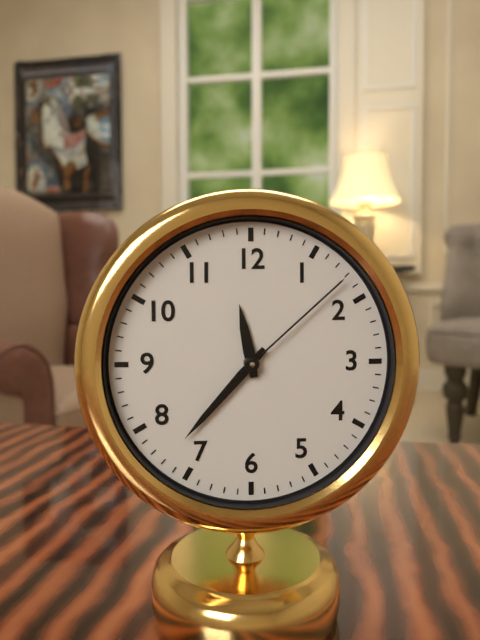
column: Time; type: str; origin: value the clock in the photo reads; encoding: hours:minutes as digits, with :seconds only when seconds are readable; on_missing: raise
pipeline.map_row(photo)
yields 11:37:08
